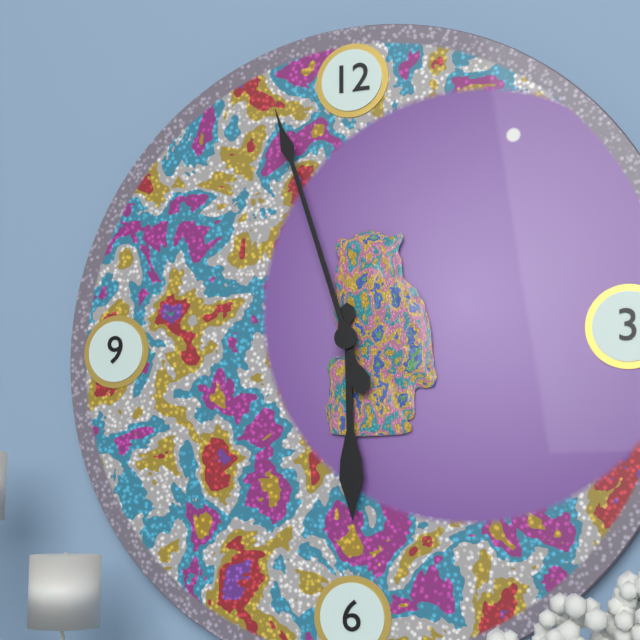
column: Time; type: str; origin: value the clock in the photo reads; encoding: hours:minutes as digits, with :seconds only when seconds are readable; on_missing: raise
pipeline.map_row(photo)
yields 5:57
